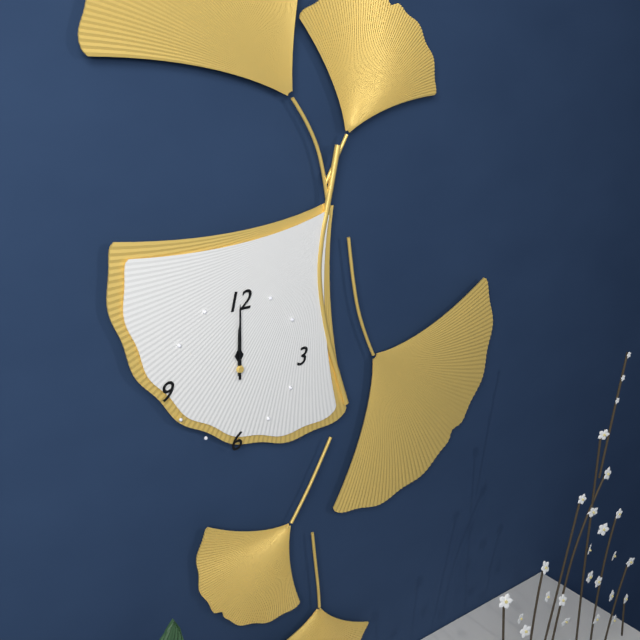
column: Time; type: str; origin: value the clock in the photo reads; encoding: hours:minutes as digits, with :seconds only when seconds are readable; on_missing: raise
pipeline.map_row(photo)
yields 12:00
